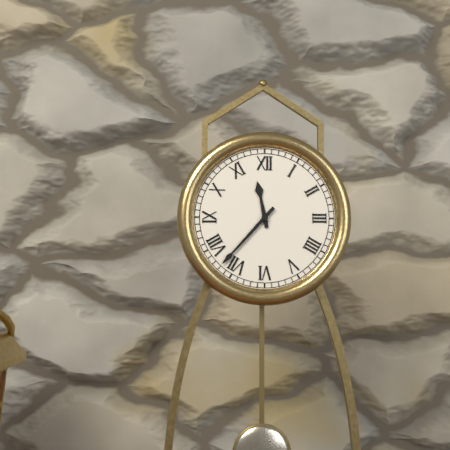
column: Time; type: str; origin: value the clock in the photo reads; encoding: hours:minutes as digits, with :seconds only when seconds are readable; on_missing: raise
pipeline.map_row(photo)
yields 11:37
